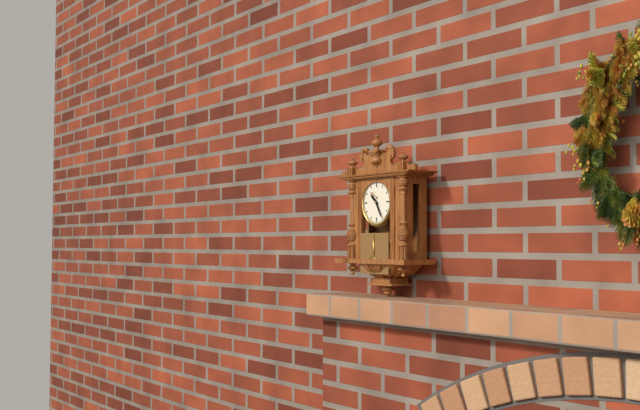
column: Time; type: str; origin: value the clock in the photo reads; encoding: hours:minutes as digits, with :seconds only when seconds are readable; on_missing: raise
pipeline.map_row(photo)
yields 10:25
